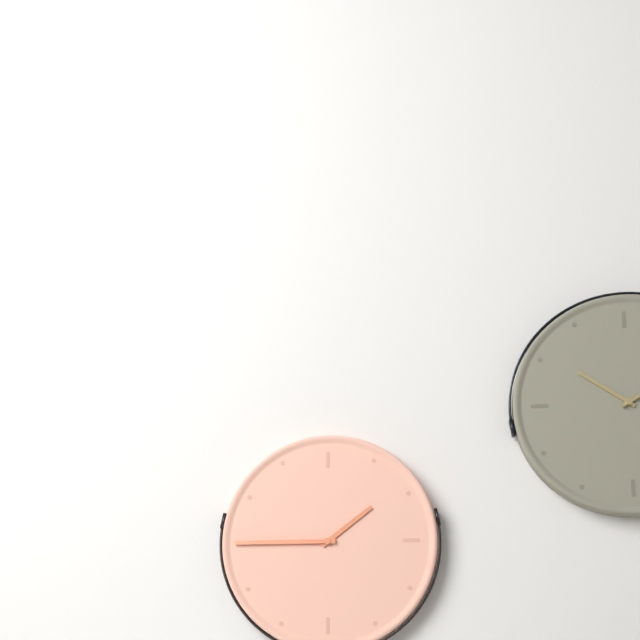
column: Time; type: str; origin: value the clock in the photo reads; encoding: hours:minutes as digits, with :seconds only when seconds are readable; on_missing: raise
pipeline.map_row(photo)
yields 1:45
